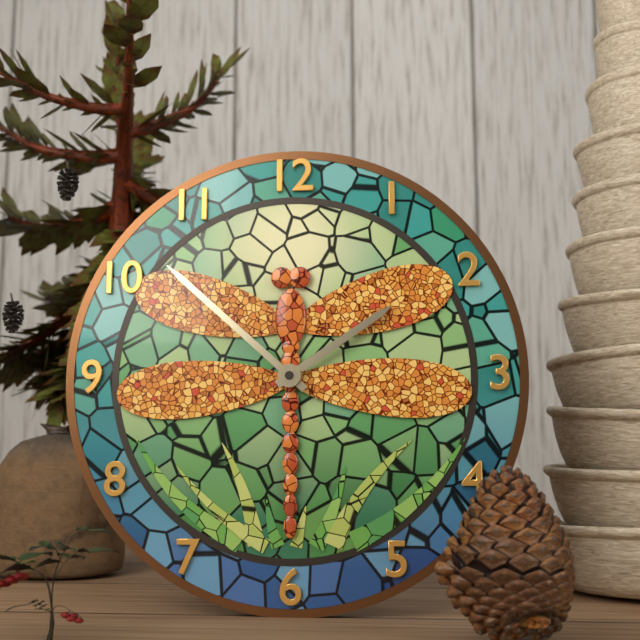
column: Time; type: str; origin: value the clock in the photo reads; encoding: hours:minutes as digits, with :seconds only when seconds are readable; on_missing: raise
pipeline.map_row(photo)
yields 1:52
